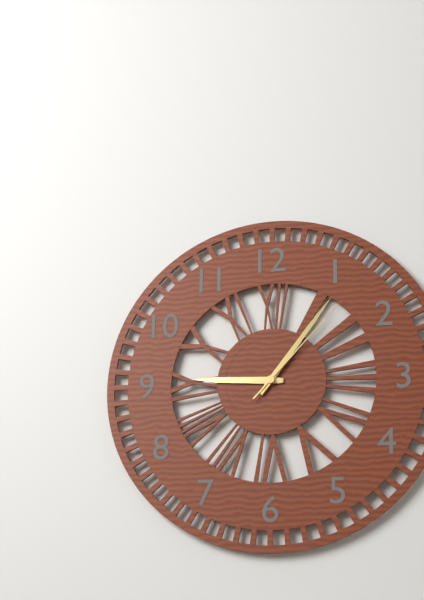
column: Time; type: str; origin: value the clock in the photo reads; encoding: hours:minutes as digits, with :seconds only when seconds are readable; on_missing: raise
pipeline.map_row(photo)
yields 9:06:07
